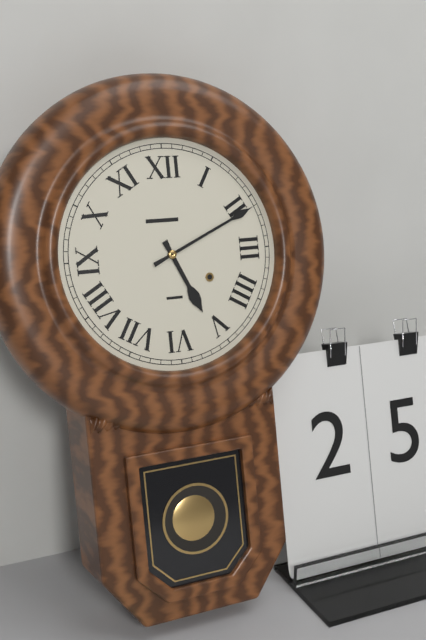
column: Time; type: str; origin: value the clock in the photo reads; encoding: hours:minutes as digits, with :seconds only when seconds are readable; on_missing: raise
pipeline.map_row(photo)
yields 5:11
